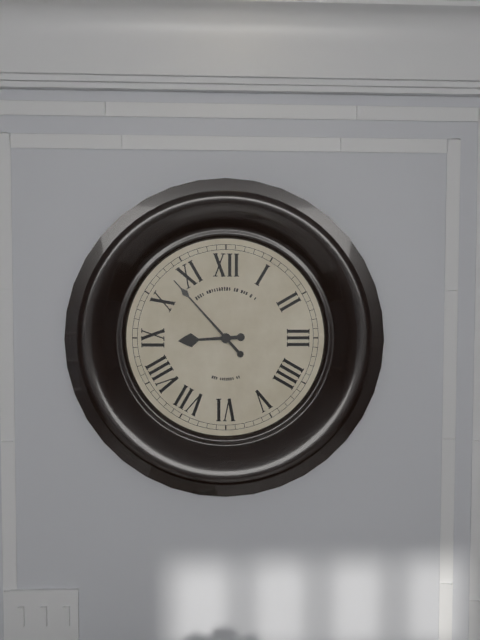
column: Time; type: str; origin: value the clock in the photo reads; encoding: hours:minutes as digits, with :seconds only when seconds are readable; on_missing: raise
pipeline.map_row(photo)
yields 8:53
